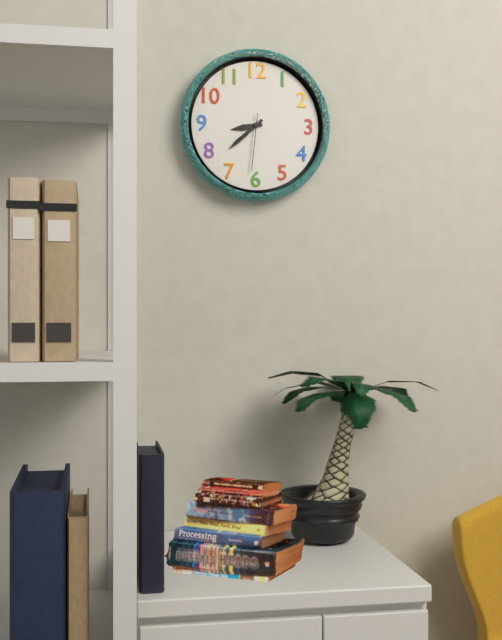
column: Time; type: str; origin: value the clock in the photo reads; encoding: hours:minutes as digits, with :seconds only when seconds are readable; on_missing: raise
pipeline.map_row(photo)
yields 8:38:31
